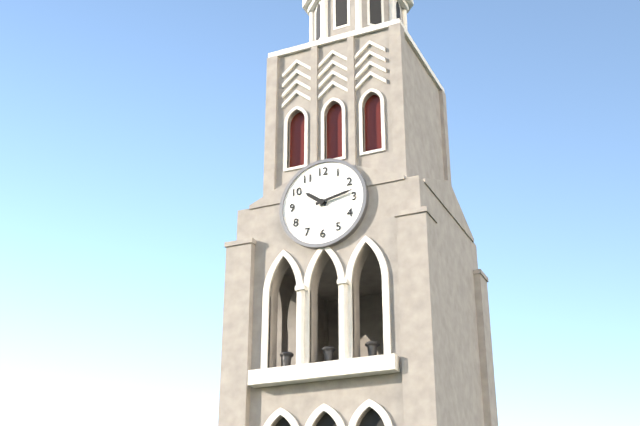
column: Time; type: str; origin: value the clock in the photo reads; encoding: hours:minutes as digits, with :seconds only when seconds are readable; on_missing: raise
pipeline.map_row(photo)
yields 10:13
